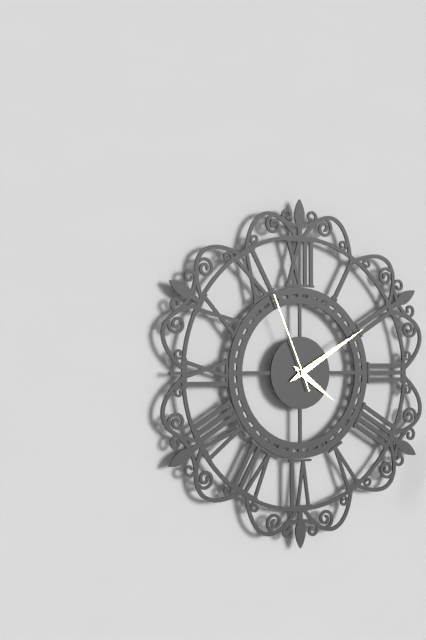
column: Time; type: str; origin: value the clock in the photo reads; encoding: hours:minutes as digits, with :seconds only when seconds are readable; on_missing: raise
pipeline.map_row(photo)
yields 4:10:56
